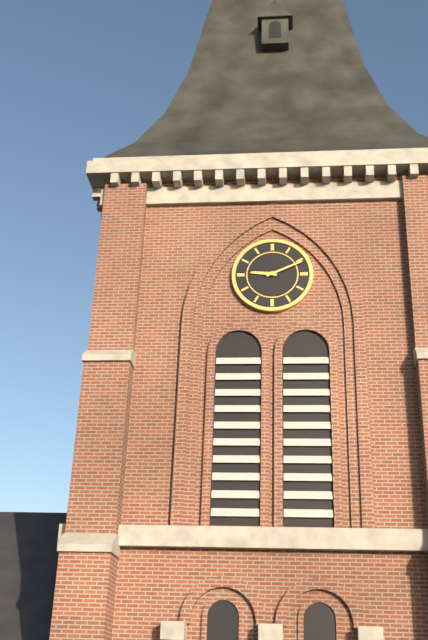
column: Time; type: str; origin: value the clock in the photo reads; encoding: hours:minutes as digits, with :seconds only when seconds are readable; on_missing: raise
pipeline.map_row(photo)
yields 9:11
